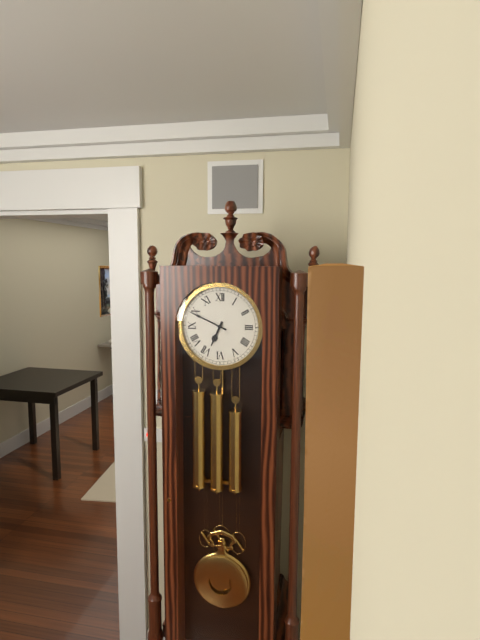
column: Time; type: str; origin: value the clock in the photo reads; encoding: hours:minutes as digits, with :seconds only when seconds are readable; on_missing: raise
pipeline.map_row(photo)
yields 6:49
